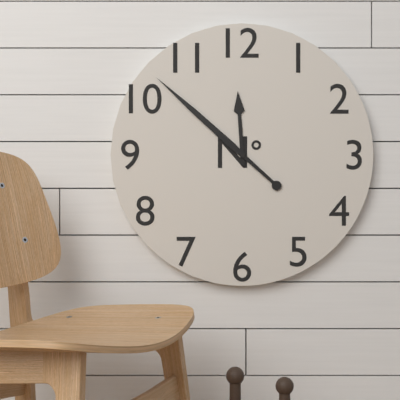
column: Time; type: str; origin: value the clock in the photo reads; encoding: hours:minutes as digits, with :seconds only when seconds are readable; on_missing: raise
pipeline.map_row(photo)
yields 11:52
